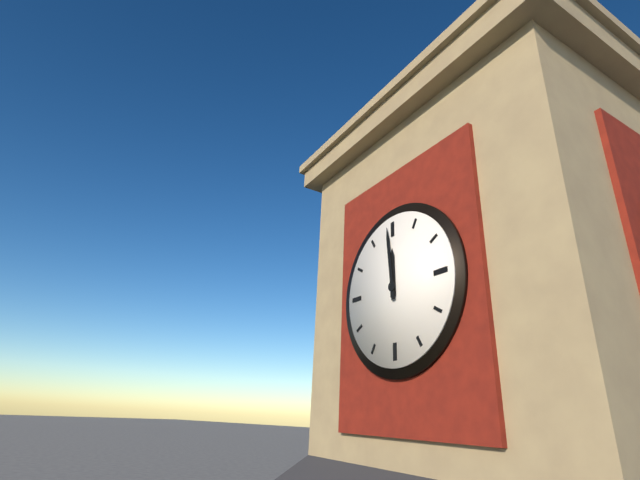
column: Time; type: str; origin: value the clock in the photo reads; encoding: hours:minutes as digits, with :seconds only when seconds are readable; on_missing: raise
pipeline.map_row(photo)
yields 11:59
